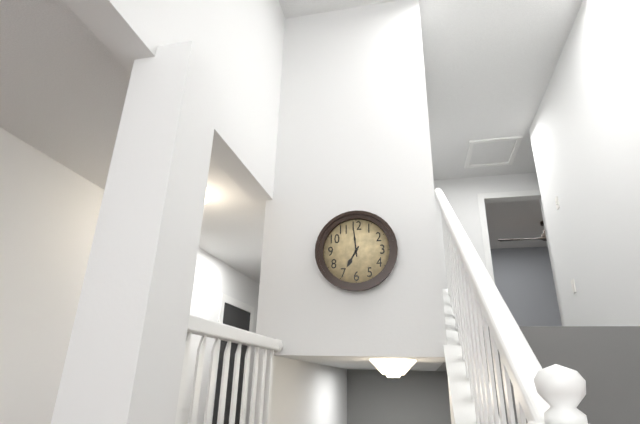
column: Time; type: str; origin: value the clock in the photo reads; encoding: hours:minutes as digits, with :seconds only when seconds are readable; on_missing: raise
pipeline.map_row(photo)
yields 6:59
